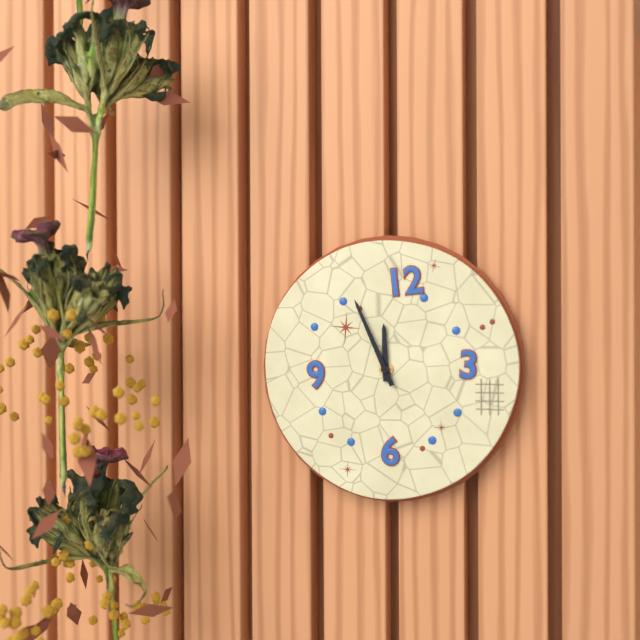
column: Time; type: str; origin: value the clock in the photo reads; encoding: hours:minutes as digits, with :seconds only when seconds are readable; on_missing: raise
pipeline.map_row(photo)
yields 11:56
